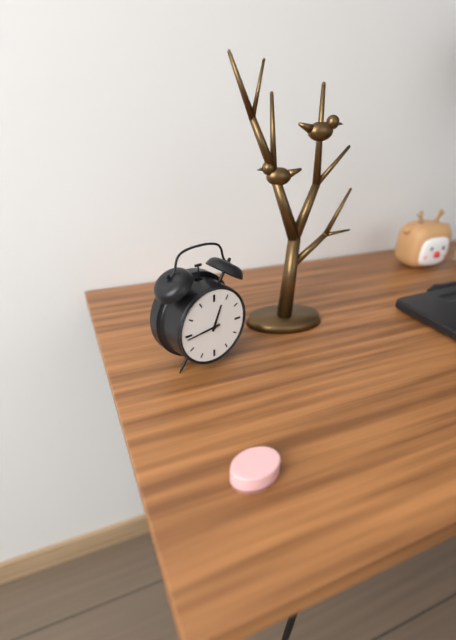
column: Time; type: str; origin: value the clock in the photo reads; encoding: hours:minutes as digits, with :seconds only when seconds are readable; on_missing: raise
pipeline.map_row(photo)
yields 12:44
